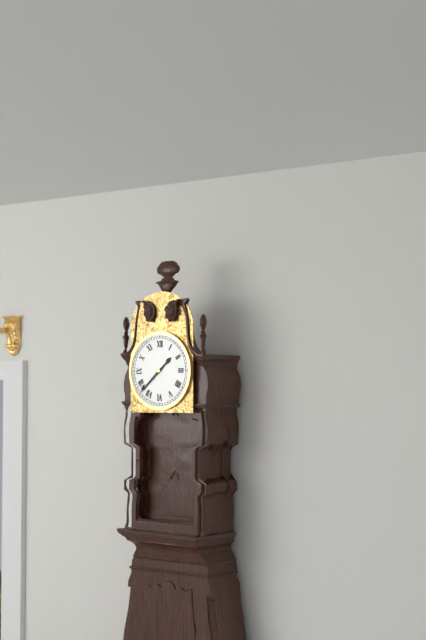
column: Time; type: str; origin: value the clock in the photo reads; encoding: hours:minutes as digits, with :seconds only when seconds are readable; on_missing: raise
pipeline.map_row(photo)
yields 1:38
